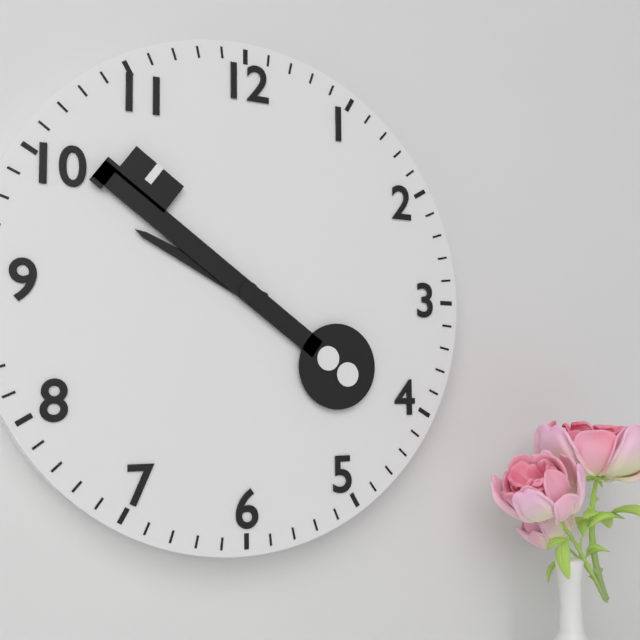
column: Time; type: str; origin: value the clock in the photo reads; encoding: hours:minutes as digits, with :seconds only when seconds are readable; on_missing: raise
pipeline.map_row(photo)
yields 9:51
